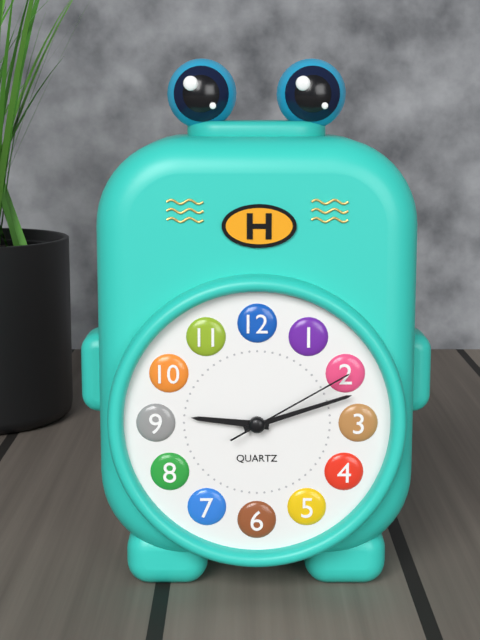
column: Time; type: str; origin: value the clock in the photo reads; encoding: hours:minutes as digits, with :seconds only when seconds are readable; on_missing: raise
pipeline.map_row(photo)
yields 9:12:10
